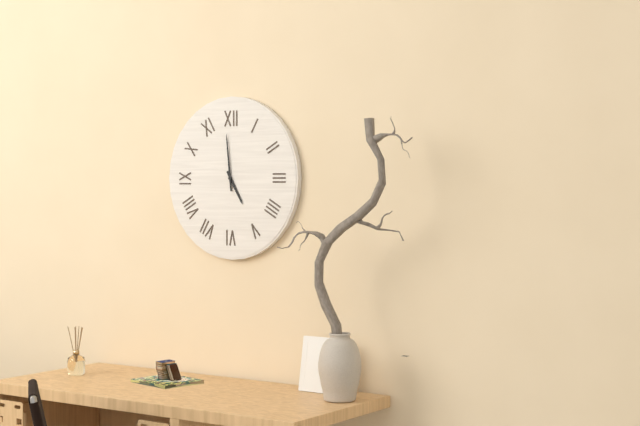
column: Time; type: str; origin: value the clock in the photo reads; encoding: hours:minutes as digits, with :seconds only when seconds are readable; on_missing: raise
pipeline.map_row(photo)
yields 4:59
